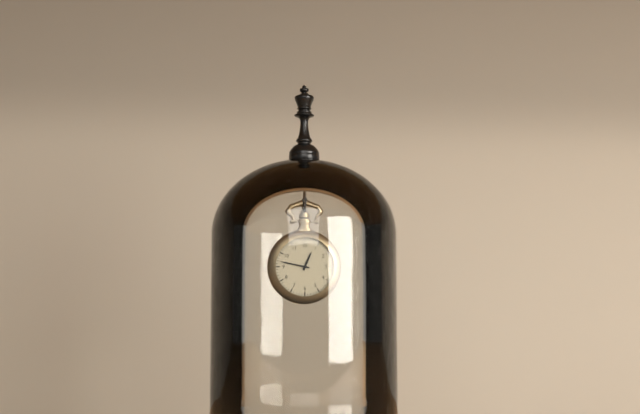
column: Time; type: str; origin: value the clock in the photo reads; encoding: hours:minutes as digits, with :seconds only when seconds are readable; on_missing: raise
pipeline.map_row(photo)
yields 12:47
